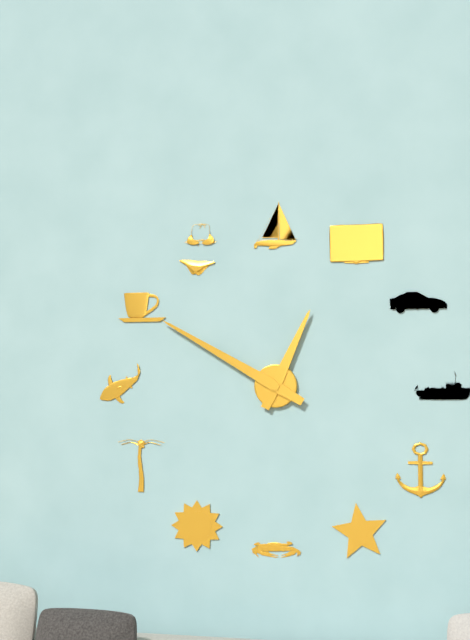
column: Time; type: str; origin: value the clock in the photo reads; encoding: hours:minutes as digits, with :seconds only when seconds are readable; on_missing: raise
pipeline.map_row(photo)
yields 12:50
